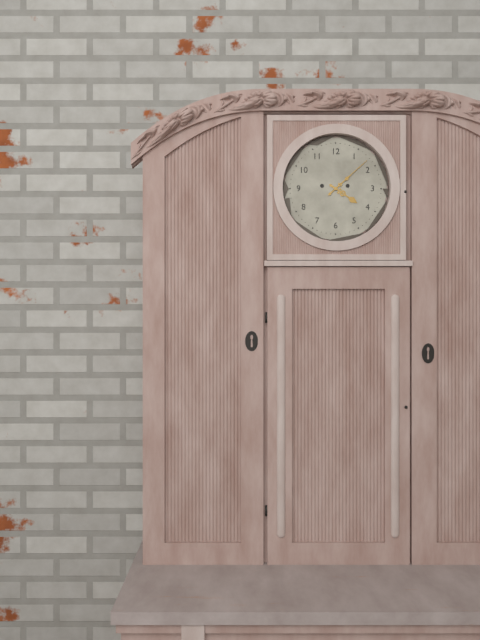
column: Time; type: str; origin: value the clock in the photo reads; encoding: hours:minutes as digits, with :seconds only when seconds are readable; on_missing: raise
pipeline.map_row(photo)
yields 4:08
